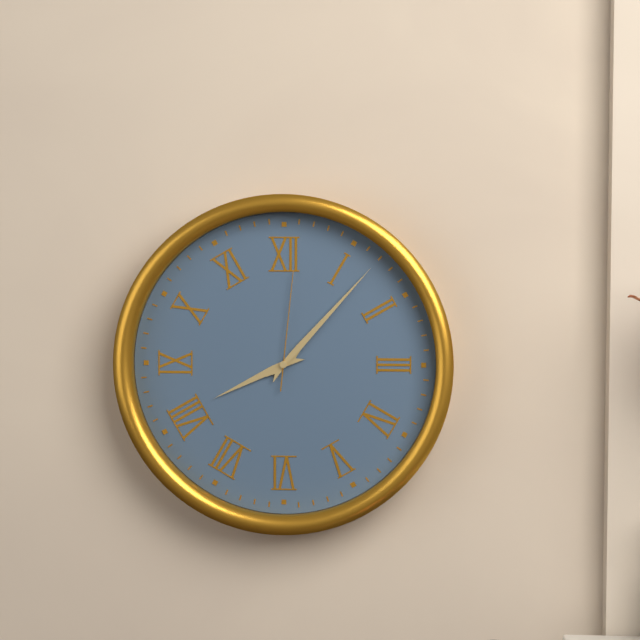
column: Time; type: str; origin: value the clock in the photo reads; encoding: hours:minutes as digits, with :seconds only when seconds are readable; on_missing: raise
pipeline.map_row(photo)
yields 8:07:01
